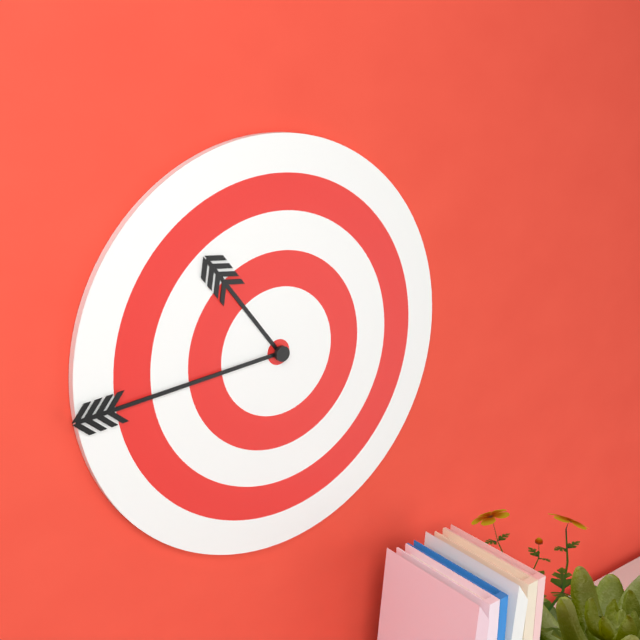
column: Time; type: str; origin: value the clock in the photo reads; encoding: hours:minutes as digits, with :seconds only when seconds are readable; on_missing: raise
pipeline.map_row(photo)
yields 10:44
